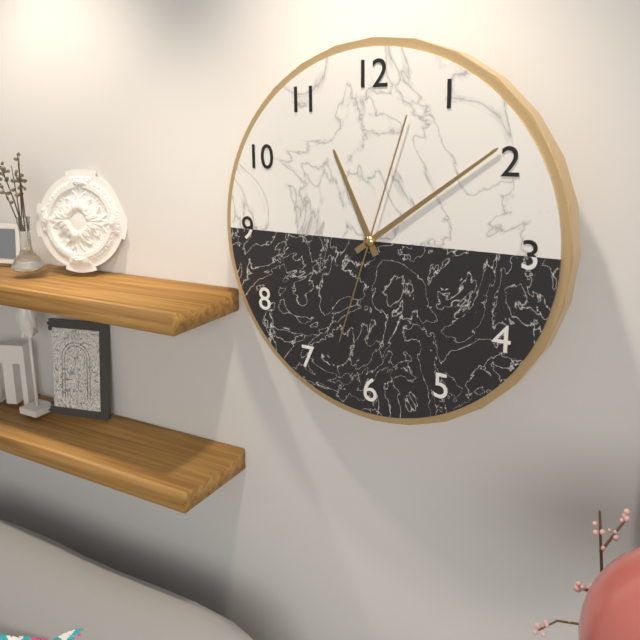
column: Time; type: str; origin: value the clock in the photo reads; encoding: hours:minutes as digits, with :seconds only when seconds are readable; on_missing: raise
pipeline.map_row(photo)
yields 11:09:03
